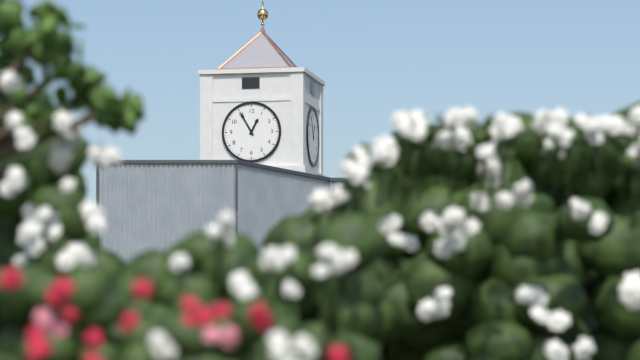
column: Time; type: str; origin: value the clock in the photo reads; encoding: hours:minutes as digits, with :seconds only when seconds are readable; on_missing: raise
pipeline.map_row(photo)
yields 12:55
